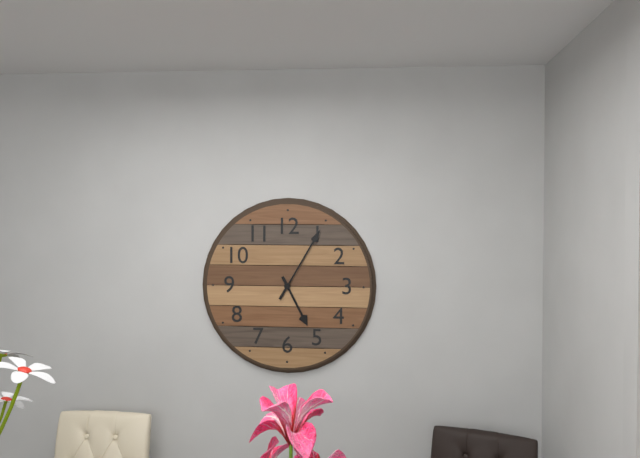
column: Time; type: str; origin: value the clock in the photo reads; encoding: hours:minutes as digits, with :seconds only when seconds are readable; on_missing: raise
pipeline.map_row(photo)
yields 5:05
